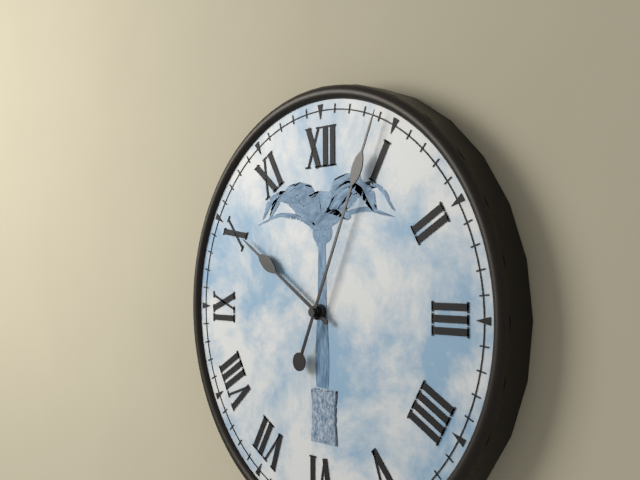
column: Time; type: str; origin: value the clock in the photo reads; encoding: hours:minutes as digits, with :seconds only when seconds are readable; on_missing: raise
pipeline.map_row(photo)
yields 10:04
